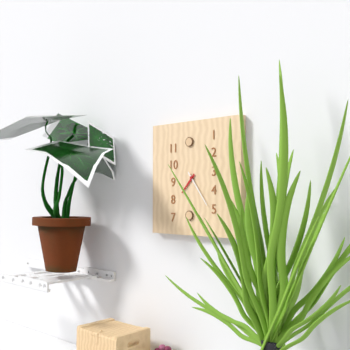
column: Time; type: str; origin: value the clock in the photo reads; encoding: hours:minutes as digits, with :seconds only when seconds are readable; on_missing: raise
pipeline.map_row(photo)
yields 7:24
